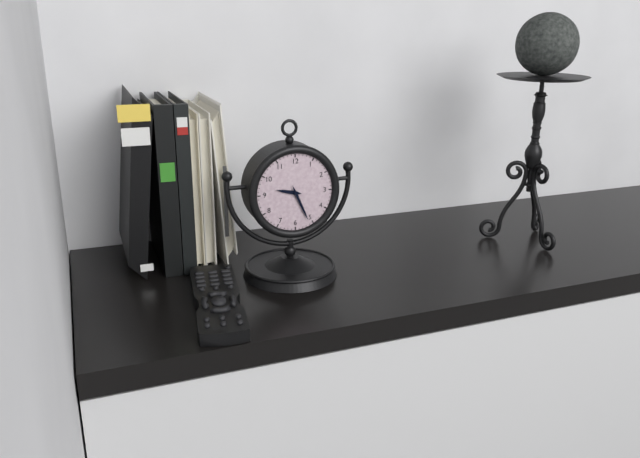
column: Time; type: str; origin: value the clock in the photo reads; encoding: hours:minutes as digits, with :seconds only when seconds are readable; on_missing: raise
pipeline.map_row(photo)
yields 9:26
